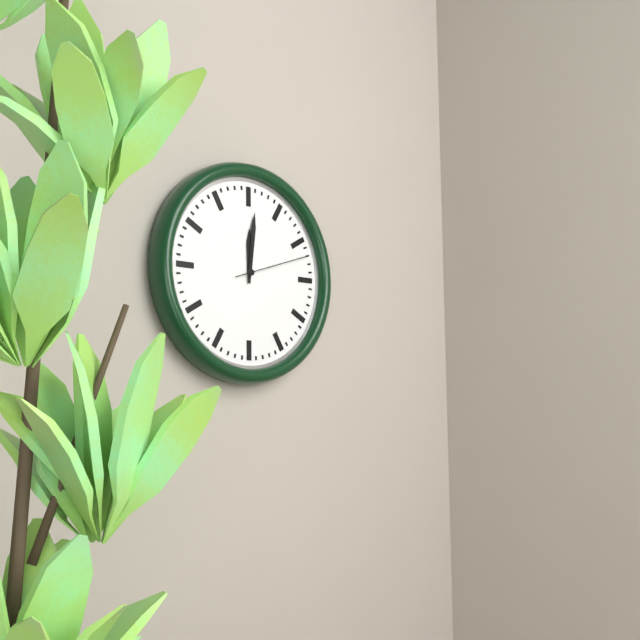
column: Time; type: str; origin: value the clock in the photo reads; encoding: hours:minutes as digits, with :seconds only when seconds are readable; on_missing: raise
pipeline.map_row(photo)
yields 12:01:12
